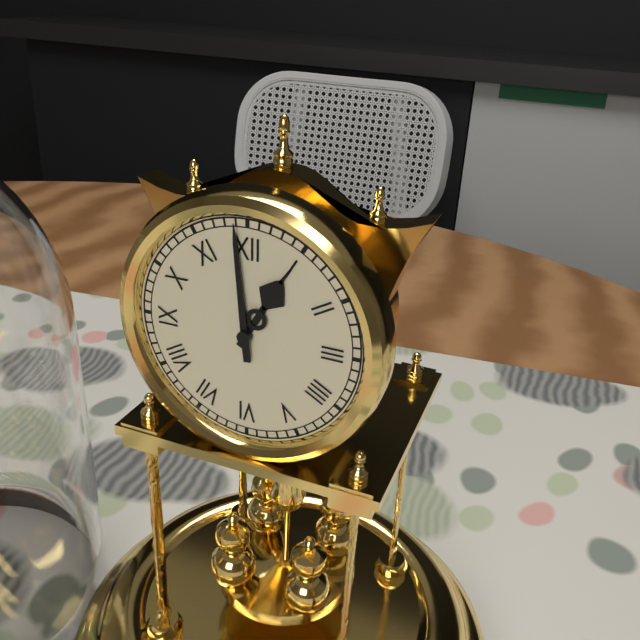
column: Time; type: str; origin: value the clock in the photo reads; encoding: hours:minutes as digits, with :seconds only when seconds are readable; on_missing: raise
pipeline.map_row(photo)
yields 12:59
